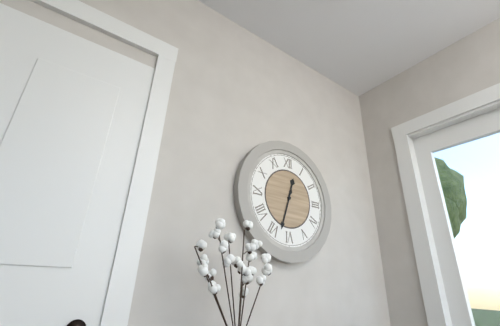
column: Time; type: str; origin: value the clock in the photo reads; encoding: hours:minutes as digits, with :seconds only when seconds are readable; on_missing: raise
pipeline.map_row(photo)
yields 12:33
